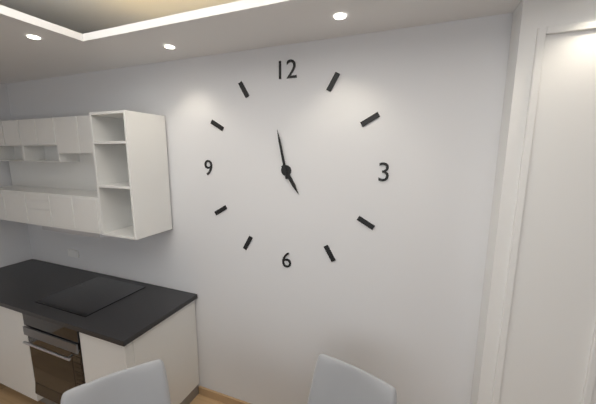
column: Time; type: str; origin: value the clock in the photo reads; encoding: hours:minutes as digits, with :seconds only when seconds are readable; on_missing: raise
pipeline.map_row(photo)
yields 4:58
